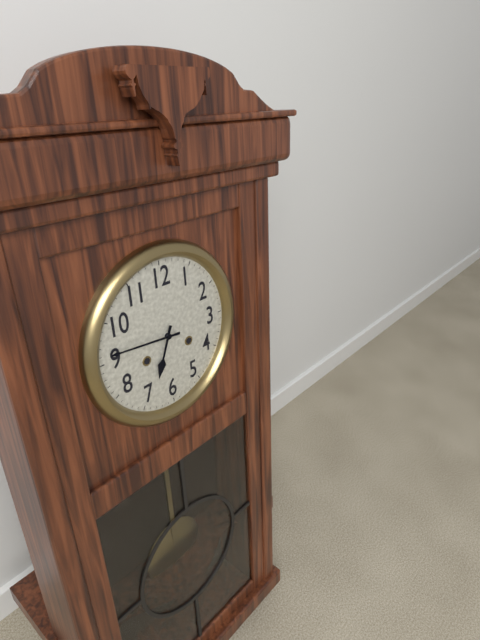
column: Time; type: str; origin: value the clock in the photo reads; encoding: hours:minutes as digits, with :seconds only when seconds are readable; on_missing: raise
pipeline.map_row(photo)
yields 6:46
